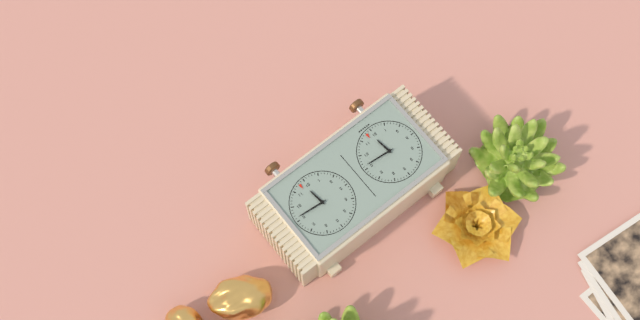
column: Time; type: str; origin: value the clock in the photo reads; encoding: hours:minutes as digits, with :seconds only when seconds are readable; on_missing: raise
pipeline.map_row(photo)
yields 11:46
